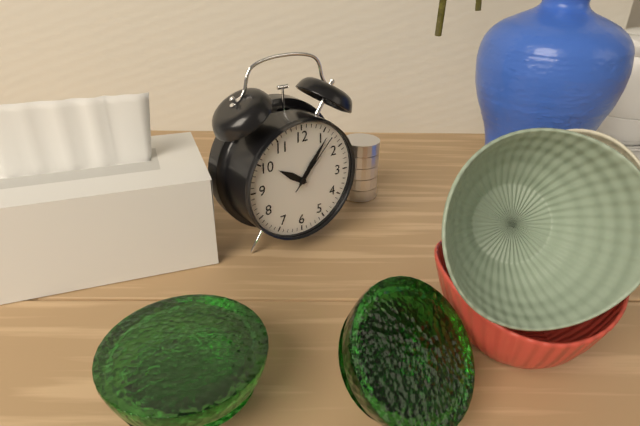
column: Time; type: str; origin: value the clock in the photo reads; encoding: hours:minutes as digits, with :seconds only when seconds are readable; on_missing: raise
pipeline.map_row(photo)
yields 10:06:07
